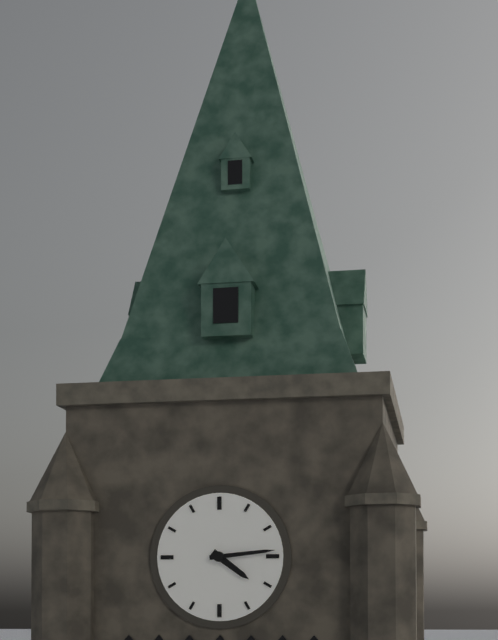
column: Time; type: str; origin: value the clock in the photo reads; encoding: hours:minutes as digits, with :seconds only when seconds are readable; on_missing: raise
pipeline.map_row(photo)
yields 4:14
